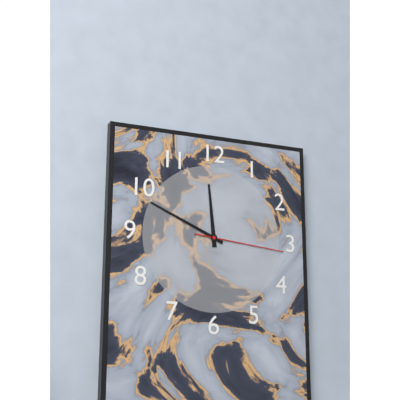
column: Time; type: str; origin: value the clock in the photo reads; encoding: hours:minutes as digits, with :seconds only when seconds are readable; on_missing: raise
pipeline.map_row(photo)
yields 11:49:16
